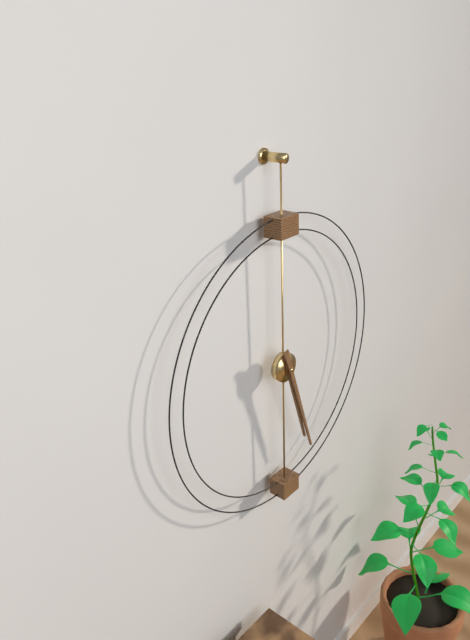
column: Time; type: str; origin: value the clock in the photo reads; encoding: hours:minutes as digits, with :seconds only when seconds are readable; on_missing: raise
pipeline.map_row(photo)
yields 5:27
